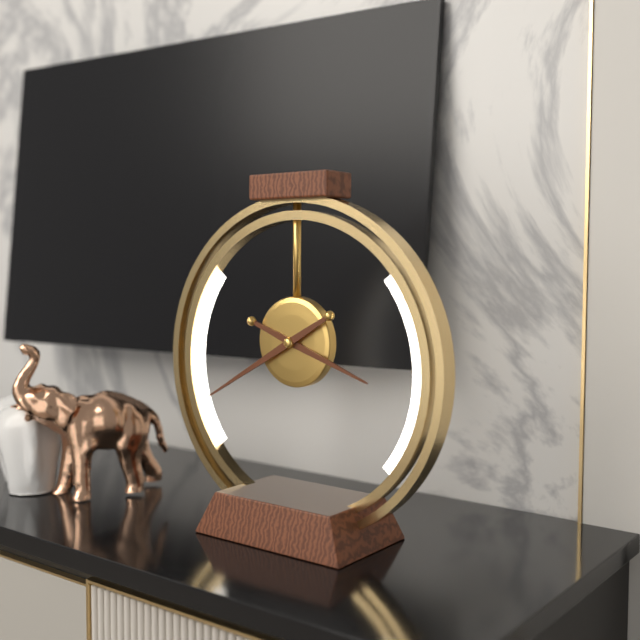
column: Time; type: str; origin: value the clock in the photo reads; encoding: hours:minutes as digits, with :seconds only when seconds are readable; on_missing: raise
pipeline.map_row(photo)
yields 3:40
